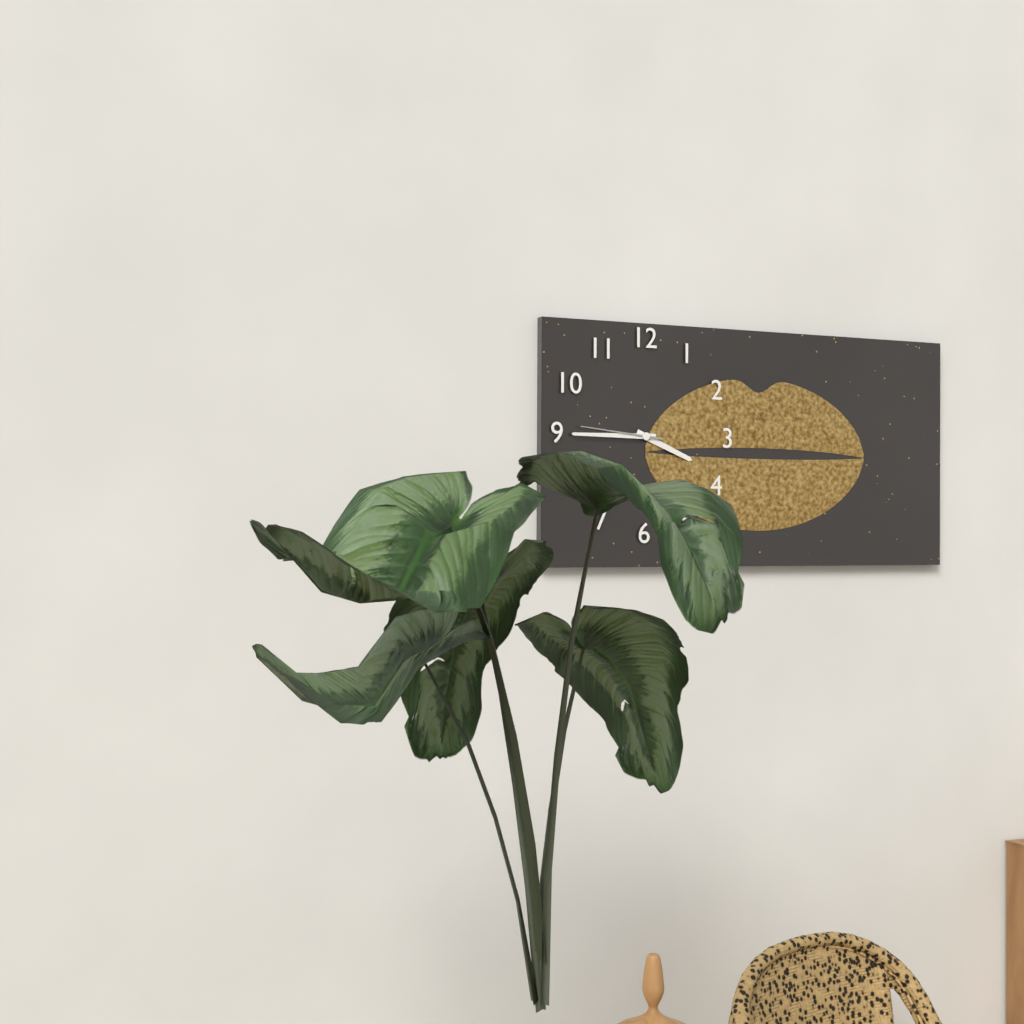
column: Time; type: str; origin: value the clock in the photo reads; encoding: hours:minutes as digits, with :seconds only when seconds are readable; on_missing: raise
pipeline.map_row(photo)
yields 3:45:46
